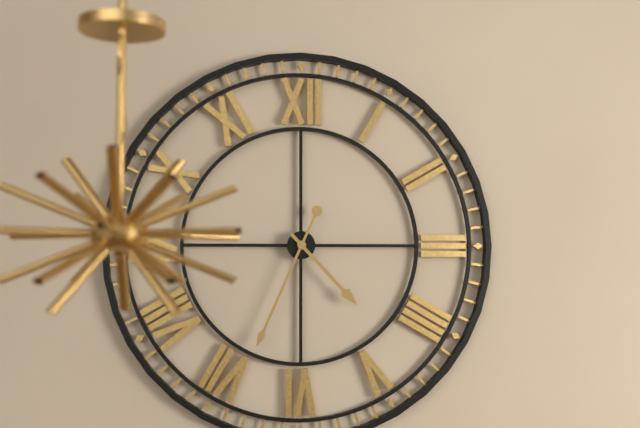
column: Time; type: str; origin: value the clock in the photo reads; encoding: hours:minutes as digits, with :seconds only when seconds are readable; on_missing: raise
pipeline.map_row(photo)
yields 4:34
